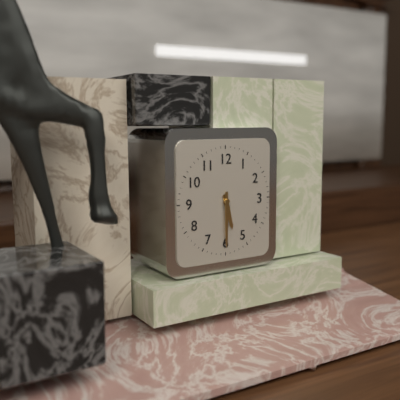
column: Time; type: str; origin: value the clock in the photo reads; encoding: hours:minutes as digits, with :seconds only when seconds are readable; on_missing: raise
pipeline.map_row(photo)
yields 5:30
